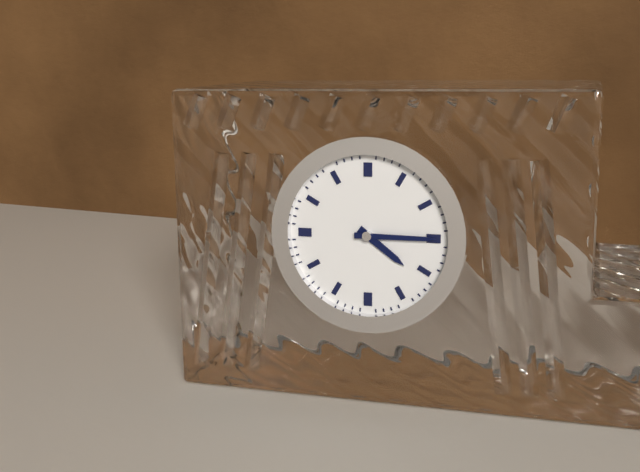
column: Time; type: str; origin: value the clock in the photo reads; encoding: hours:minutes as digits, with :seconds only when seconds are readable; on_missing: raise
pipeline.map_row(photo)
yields 4:15
